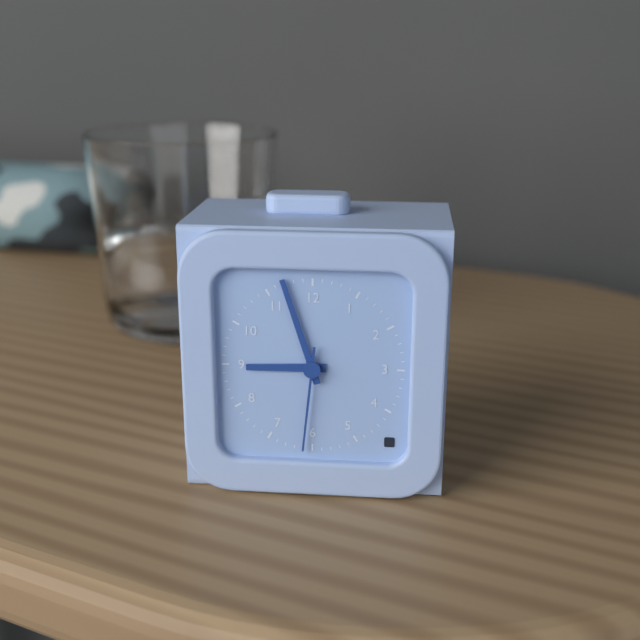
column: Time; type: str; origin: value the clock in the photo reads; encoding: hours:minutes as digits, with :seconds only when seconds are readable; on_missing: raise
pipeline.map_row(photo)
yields 8:57:31
